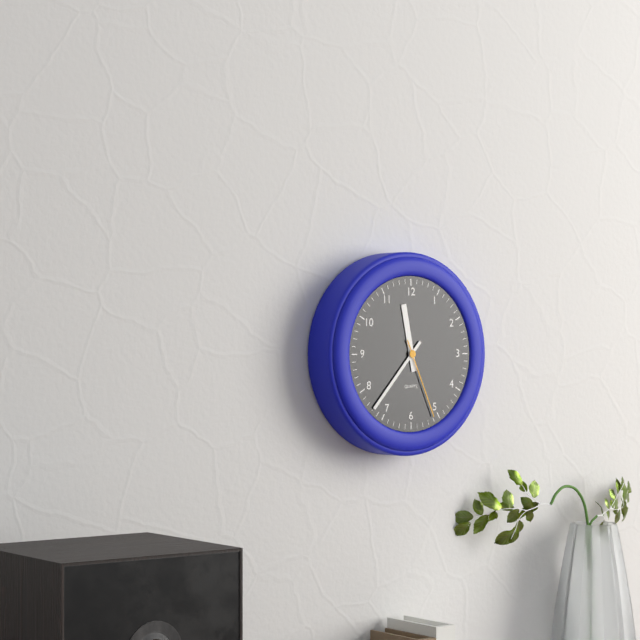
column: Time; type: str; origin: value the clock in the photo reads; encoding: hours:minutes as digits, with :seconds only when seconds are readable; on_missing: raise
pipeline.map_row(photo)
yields 11:37:26
